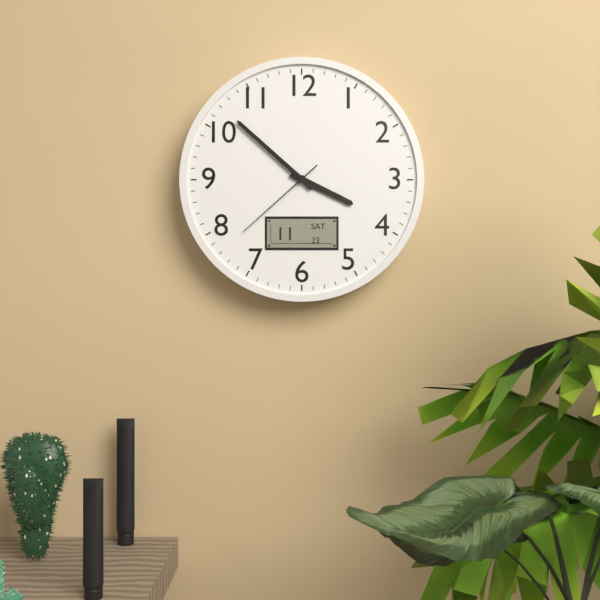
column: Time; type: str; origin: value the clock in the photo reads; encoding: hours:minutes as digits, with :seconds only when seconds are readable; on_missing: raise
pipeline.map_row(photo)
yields 3:52:38
